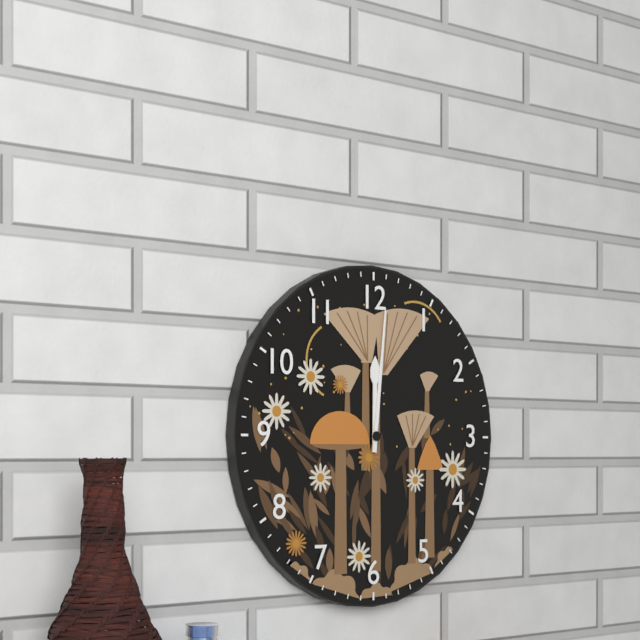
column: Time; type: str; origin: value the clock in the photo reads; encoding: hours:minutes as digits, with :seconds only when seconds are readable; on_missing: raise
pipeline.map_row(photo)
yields 12:01
